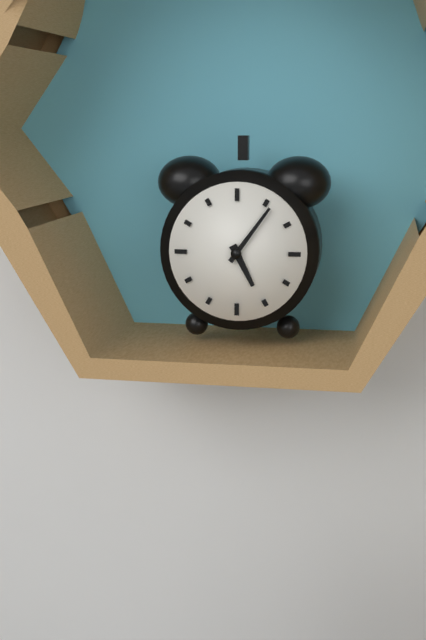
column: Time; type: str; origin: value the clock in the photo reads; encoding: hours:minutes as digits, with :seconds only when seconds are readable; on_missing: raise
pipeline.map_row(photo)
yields 5:06
